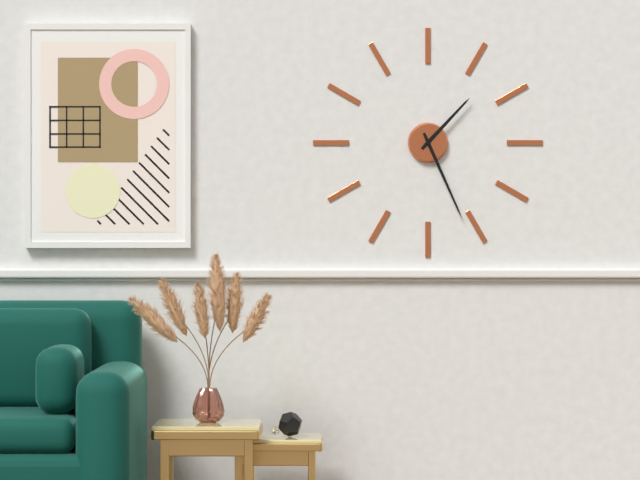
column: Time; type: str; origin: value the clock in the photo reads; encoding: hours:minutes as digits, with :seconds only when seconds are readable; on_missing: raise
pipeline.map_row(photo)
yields 1:26
